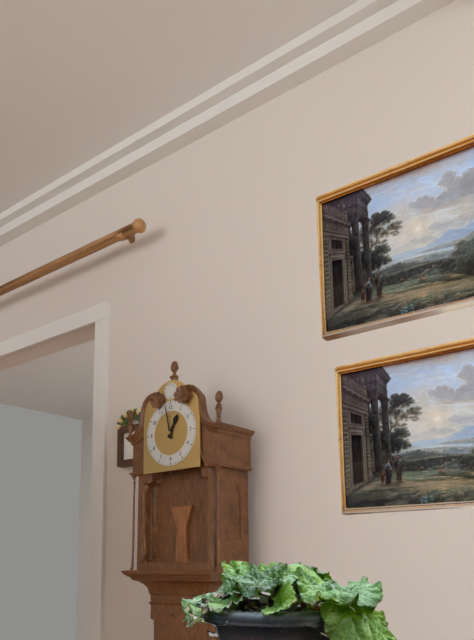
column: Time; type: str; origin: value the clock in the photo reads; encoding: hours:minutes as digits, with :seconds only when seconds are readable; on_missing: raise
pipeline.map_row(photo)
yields 12:58
